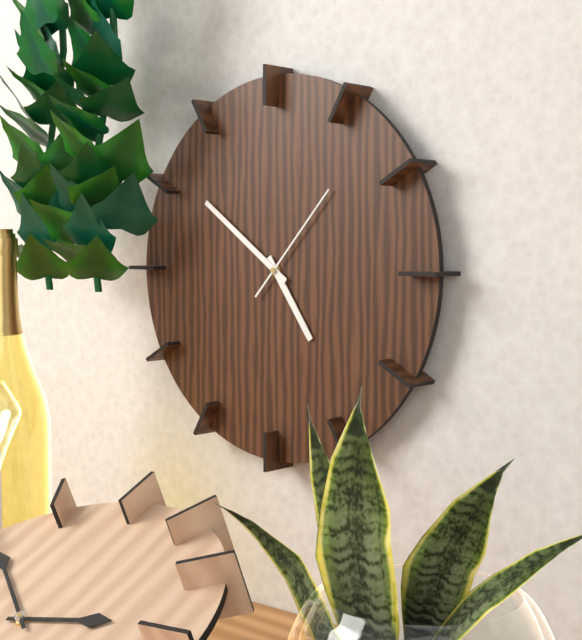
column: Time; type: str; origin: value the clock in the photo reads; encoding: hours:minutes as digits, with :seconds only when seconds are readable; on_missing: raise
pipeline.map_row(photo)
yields 4:51:07
